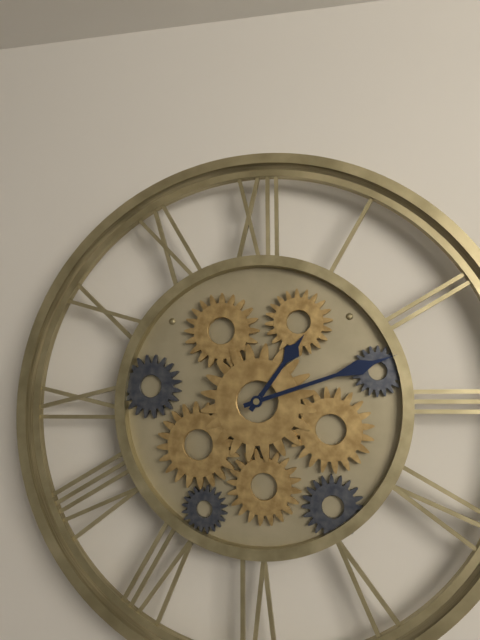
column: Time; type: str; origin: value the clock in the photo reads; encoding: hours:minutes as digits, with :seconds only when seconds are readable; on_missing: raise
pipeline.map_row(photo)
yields 1:12
